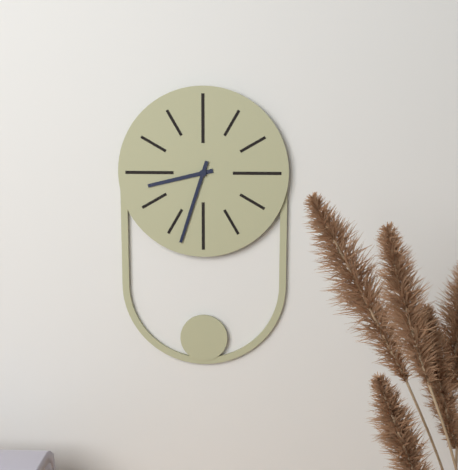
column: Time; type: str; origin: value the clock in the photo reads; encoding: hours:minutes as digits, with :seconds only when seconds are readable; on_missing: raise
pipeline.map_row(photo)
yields 8:33
